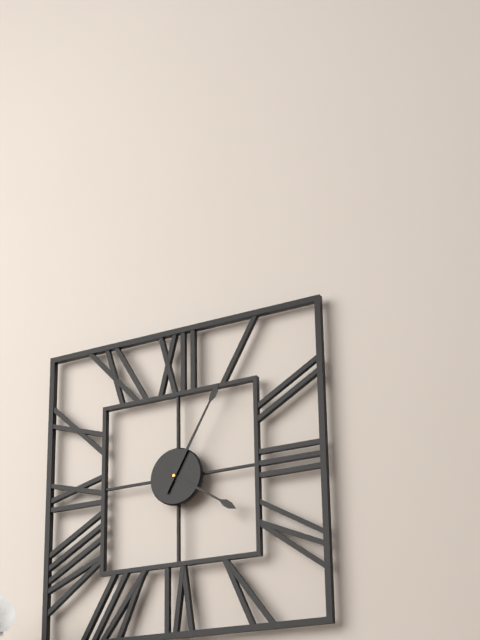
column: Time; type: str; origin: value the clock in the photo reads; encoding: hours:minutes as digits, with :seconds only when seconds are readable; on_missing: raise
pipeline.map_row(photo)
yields 4:05
